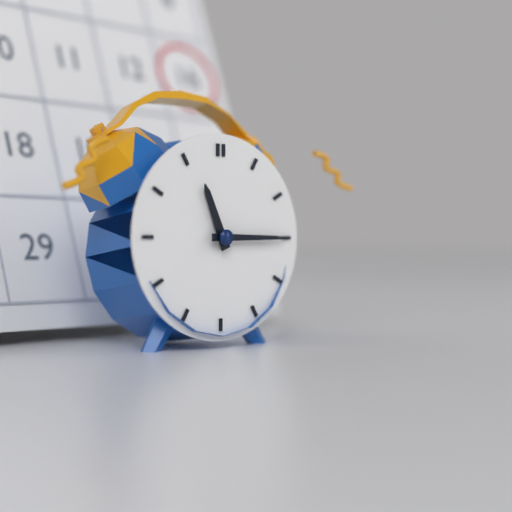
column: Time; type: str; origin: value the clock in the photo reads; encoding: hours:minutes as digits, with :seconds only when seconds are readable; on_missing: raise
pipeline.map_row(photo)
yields 11:15
